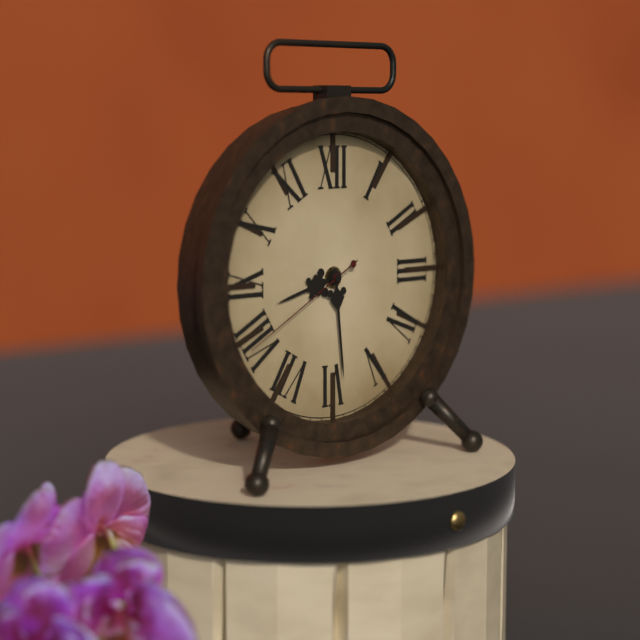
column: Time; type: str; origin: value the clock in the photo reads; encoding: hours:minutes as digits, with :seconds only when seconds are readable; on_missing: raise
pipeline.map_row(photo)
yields 8:29:40
